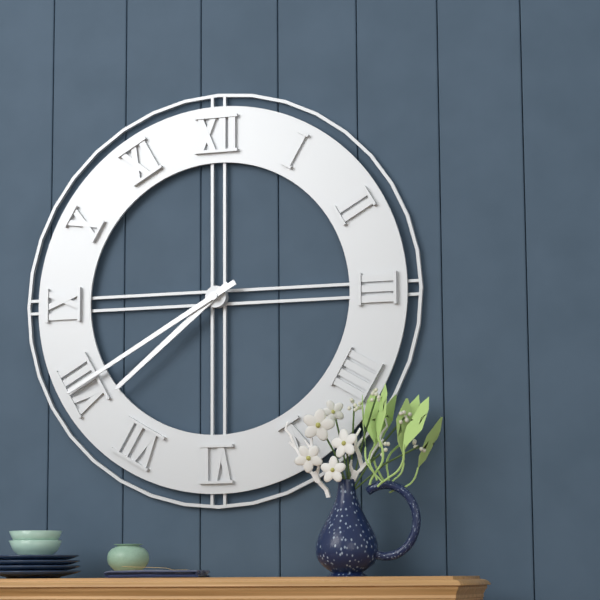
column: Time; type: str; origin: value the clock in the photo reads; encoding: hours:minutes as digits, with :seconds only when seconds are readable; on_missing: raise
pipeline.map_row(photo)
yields 7:40
